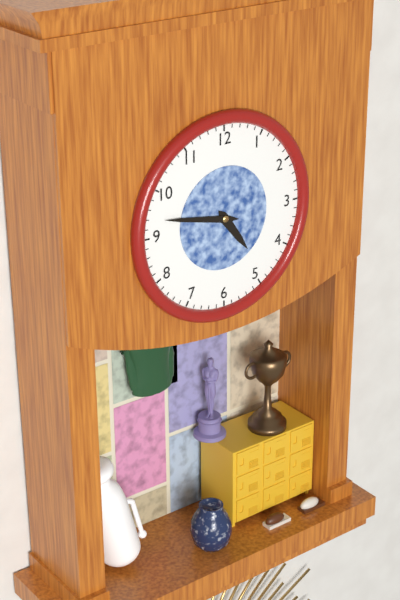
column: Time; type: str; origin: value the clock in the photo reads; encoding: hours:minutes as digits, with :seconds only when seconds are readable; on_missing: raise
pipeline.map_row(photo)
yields 4:47
